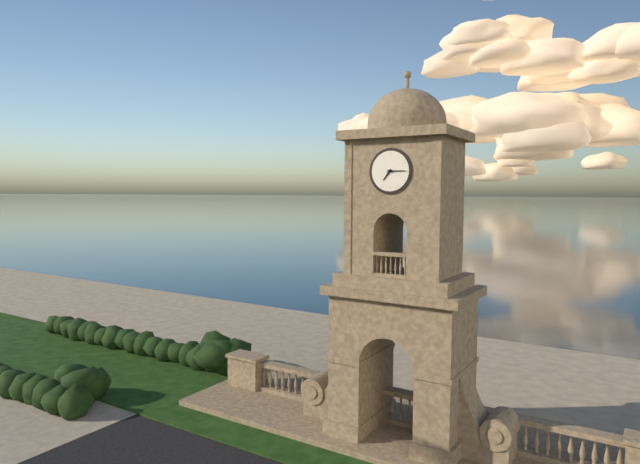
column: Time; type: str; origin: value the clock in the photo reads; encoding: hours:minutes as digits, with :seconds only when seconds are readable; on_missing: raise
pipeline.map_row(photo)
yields 7:15
